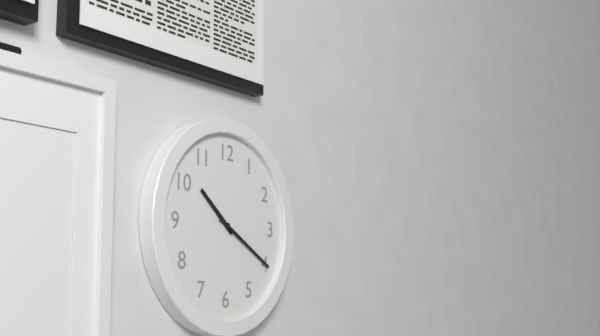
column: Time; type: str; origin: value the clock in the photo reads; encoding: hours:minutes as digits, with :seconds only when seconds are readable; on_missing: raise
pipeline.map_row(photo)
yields 10:20
